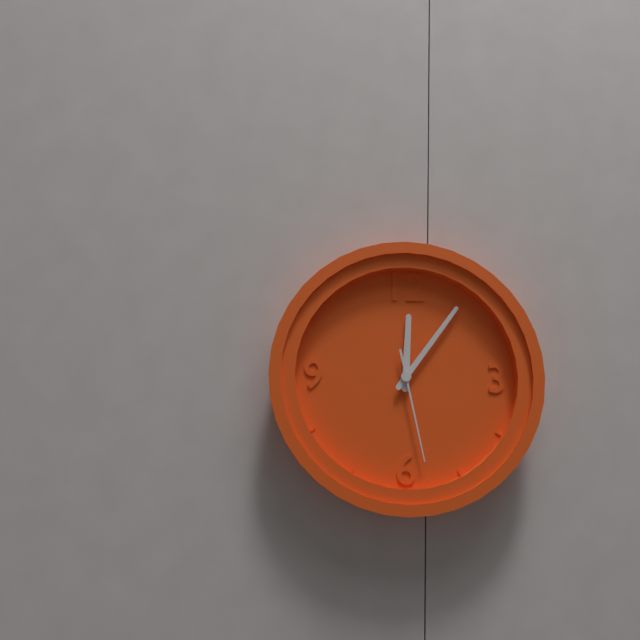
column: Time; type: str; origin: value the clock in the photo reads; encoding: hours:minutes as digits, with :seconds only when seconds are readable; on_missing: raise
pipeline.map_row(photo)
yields 12:06:28
